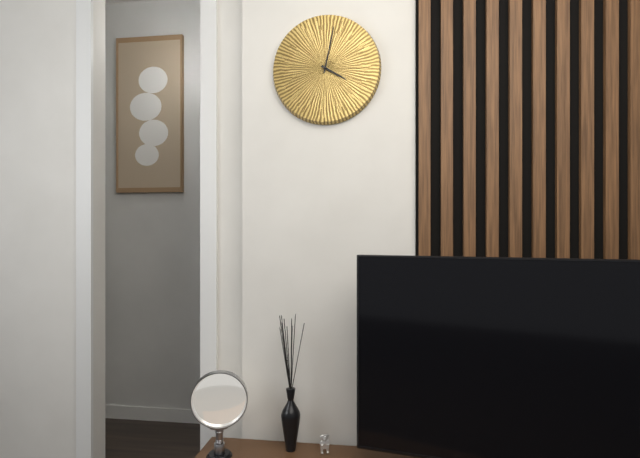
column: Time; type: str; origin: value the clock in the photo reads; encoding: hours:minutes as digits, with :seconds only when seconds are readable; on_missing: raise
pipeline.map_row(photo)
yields 4:02
